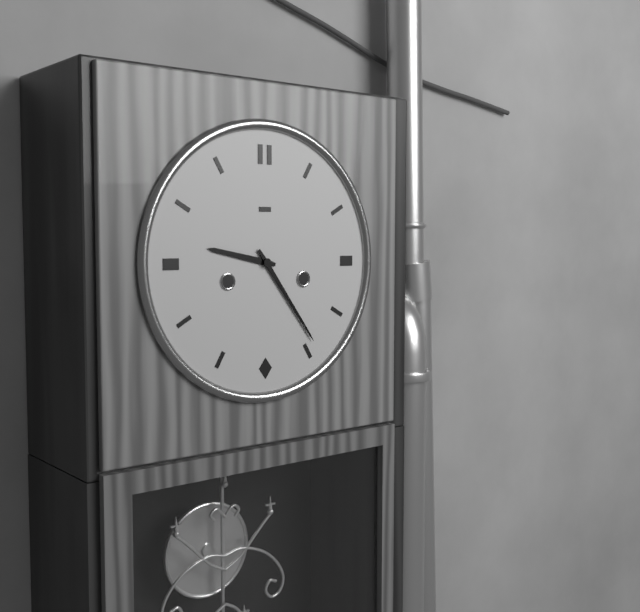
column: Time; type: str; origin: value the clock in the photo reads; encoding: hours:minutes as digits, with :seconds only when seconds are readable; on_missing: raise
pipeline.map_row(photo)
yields 9:24
